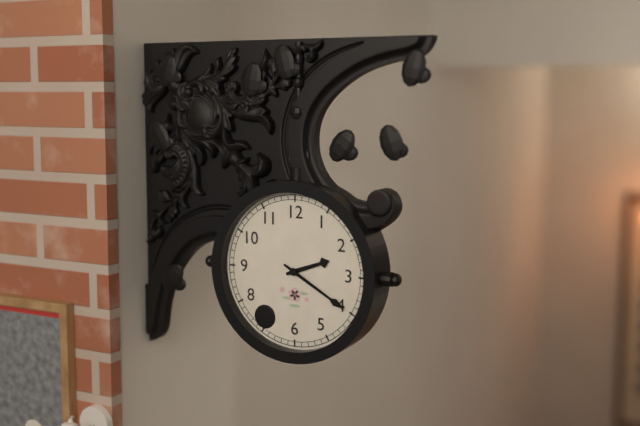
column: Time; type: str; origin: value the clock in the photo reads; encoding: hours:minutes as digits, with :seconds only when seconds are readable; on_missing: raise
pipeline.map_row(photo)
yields 2:20
